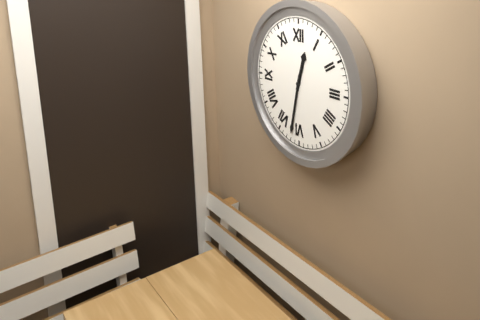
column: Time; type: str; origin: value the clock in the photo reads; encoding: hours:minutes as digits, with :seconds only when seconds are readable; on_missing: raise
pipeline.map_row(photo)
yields 12:32
